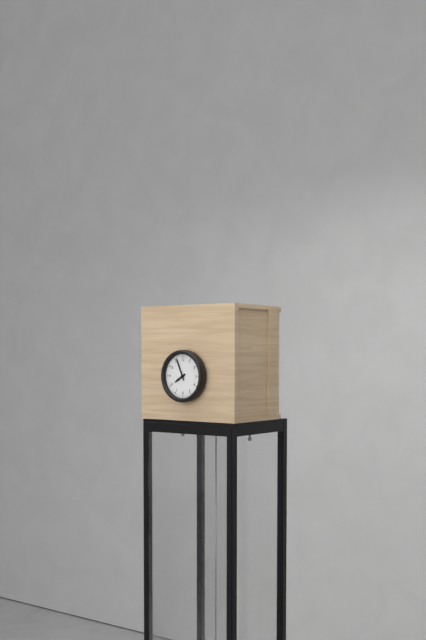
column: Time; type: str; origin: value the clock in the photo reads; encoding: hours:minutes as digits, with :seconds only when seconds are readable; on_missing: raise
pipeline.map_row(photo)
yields 7:56
